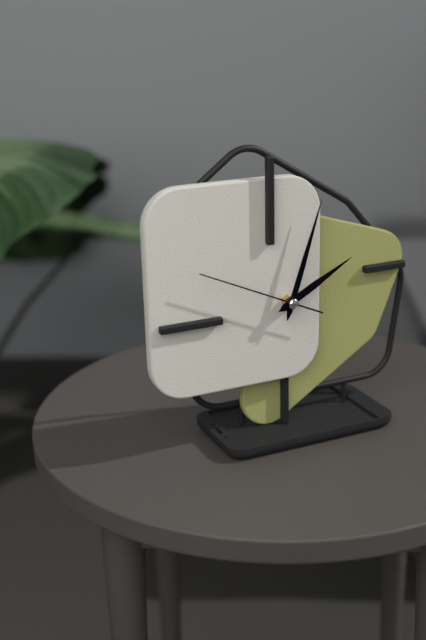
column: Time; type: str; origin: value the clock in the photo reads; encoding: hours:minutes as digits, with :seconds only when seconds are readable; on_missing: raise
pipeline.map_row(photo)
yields 2:03:49
